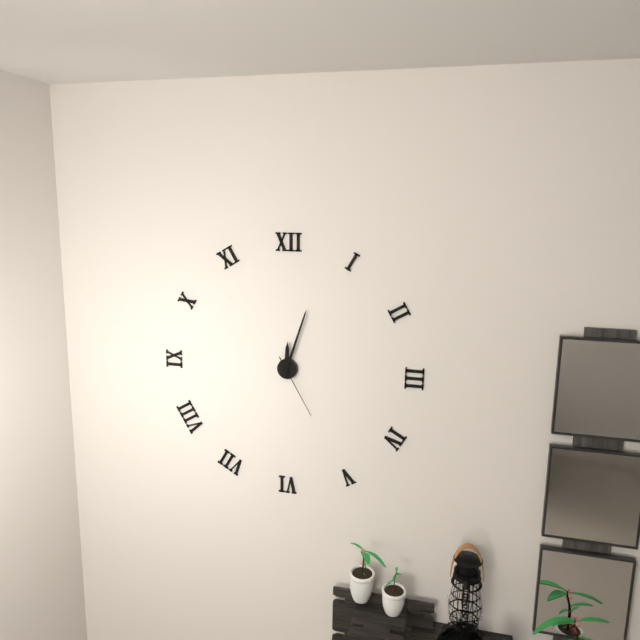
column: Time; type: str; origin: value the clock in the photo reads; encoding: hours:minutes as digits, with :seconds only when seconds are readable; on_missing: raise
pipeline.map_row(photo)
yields 12:03:25
